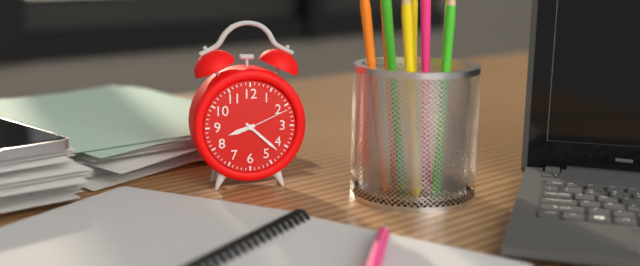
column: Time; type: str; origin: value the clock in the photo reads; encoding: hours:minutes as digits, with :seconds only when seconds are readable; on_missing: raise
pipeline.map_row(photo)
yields 8:22:11
